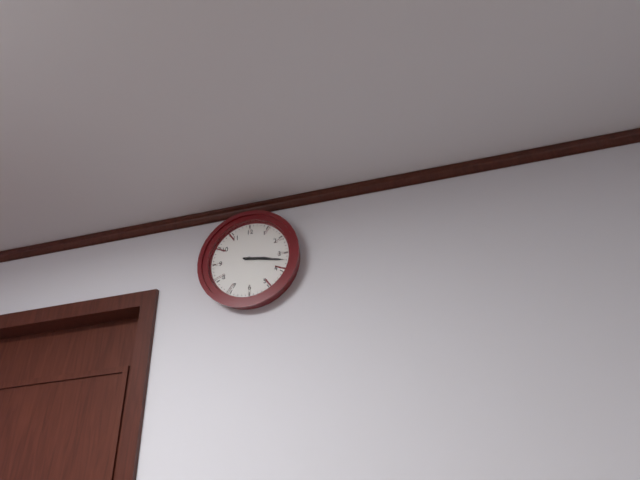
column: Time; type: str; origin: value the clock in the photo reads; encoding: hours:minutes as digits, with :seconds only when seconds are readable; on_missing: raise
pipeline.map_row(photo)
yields 3:17
